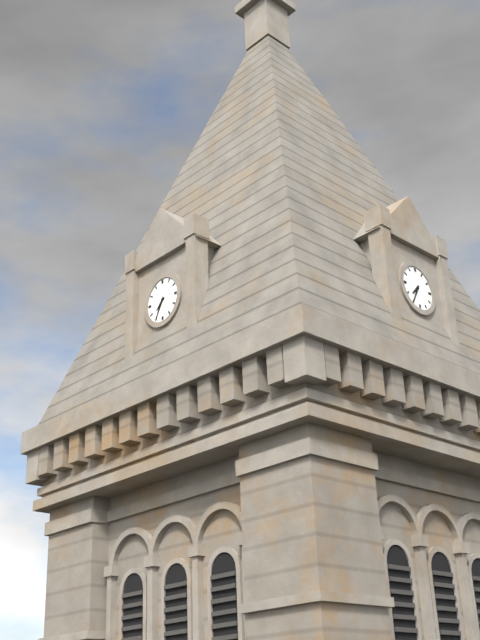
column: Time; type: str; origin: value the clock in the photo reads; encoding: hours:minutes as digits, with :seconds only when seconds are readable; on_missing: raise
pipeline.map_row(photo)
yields 7:35
